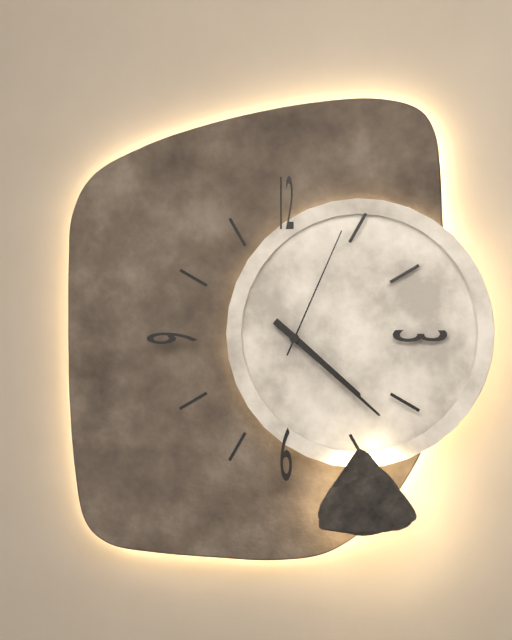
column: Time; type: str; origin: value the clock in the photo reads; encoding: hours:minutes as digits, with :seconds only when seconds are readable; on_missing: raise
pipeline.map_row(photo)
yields 4:22:04
